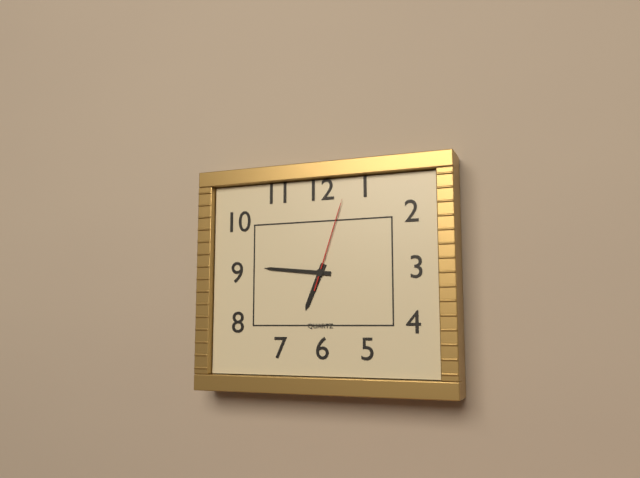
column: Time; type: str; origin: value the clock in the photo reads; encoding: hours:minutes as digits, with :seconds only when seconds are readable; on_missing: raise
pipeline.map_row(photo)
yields 6:46:03
